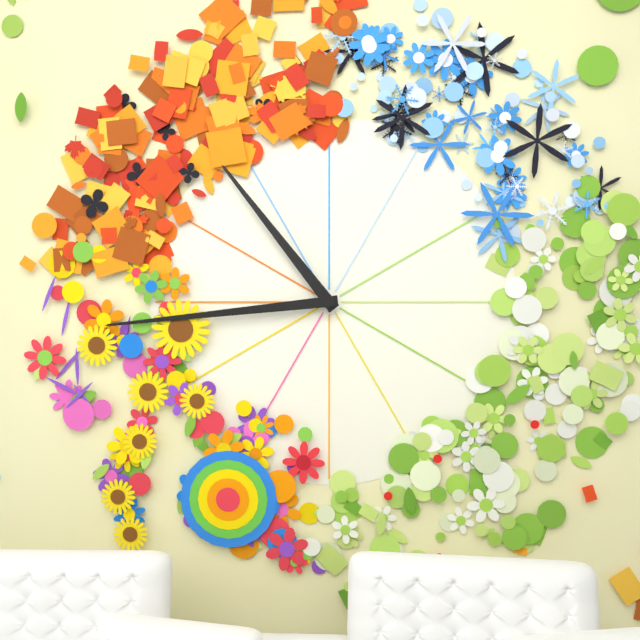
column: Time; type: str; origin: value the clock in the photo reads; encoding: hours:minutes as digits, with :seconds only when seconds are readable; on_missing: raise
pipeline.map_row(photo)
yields 10:44
